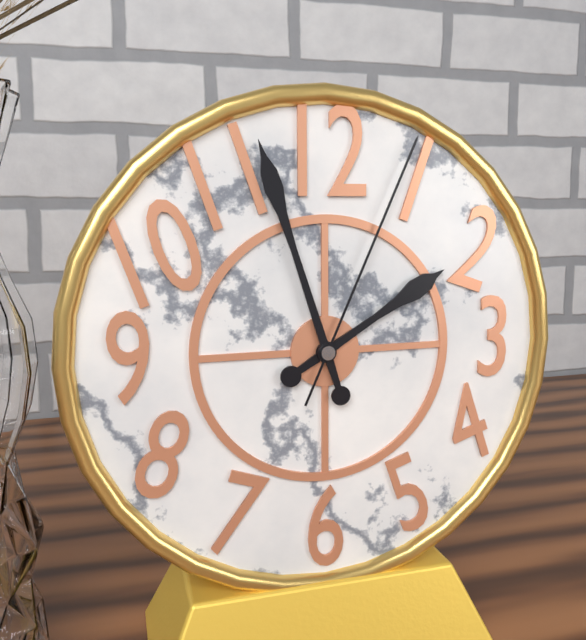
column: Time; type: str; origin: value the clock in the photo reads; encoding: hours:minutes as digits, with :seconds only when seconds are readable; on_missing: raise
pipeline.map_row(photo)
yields 1:57:04
